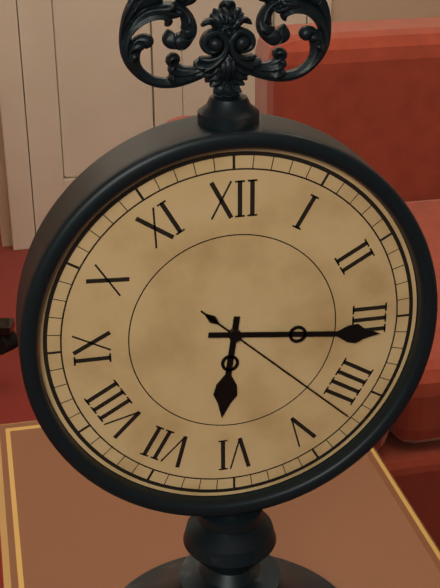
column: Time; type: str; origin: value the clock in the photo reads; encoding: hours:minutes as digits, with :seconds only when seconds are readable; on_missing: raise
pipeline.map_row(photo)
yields 6:16:22
